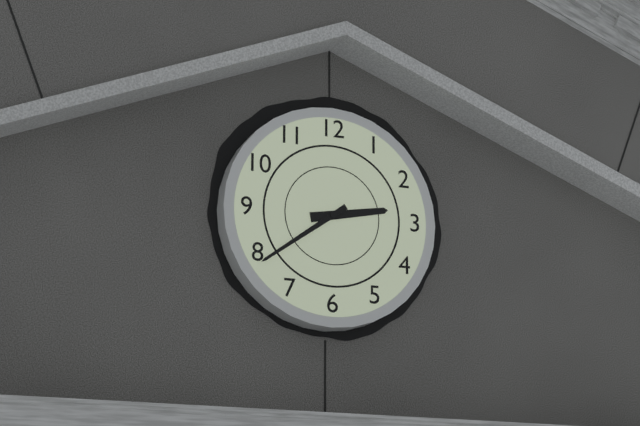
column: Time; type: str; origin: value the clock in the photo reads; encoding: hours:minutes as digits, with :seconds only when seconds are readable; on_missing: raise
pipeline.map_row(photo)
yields 2:39
